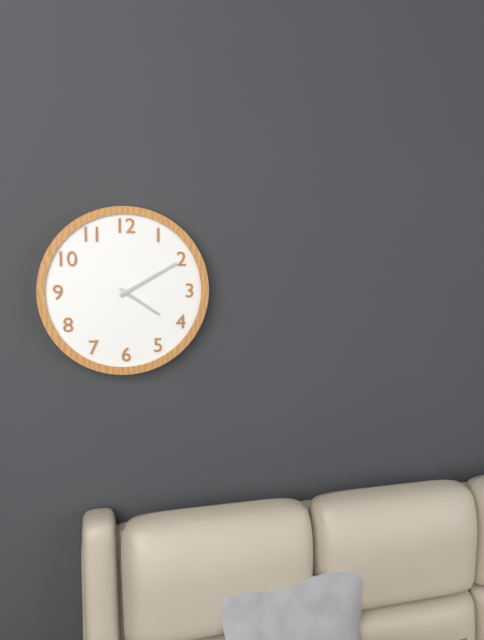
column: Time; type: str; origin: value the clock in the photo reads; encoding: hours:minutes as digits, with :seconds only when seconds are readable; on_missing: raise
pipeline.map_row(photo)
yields 4:10
